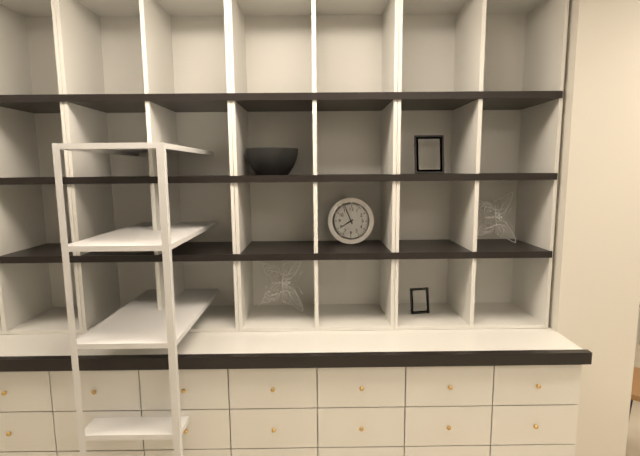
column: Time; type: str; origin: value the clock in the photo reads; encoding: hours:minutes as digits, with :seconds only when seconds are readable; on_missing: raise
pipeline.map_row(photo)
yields 7:56
